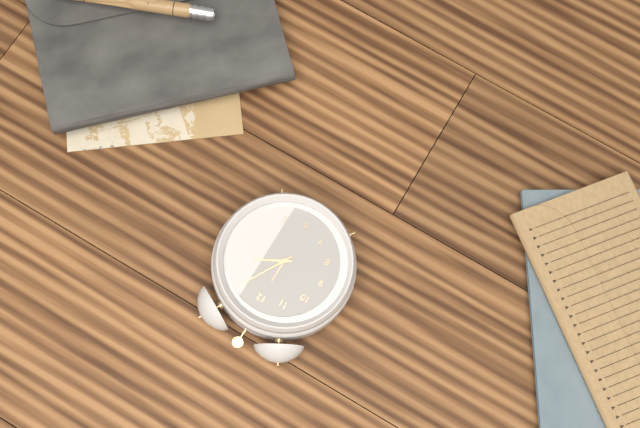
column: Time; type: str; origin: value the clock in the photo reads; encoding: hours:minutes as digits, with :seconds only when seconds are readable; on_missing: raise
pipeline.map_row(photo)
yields 2:05
